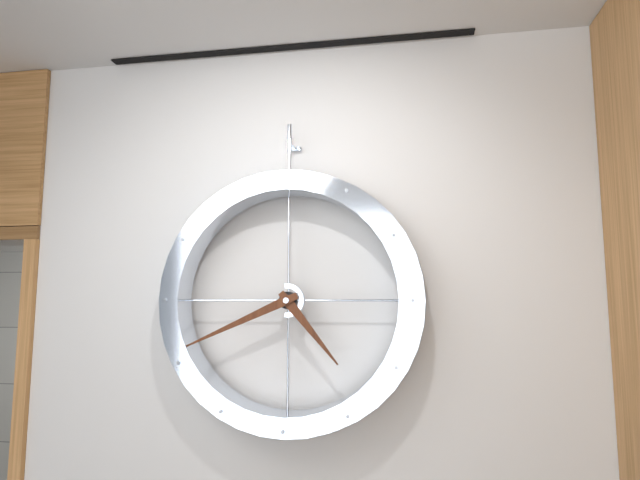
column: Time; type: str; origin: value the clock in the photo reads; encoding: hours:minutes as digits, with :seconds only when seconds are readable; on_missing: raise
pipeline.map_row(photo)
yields 4:41
